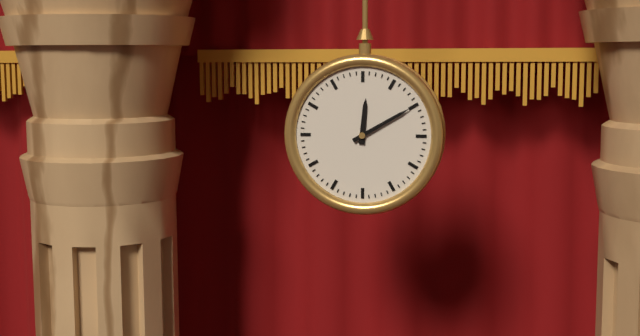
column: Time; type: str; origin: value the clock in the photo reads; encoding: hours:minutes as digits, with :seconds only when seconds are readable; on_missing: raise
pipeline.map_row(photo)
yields 12:10
